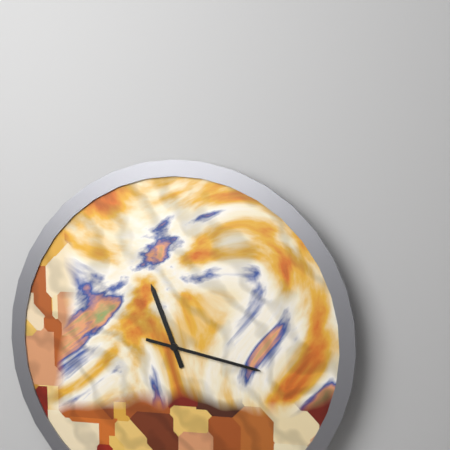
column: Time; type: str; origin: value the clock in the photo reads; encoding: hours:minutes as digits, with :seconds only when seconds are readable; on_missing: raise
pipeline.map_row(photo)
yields 11:17
